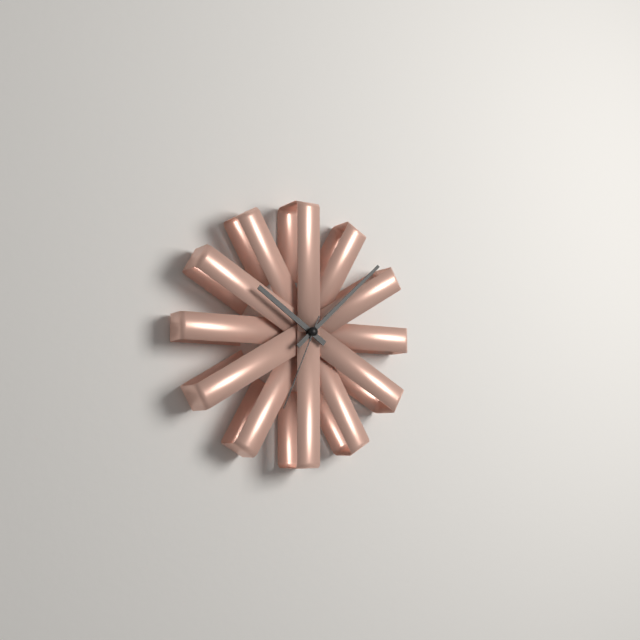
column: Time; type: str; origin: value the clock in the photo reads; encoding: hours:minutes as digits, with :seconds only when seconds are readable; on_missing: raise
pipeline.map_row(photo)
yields 10:08:34
